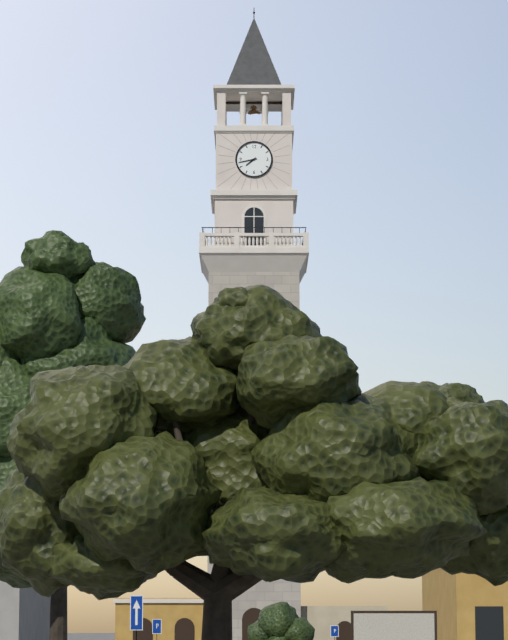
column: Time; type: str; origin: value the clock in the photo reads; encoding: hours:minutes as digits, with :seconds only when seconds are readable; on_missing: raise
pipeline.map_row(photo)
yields 7:43
